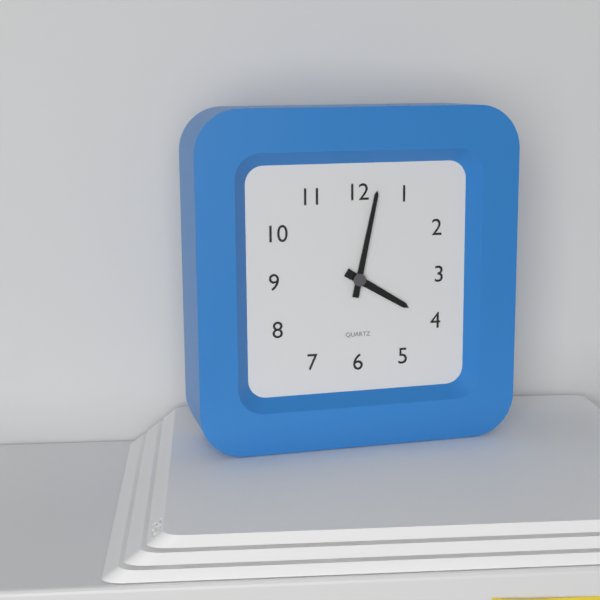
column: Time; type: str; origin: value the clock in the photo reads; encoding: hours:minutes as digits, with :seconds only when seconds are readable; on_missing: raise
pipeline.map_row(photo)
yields 4:02
